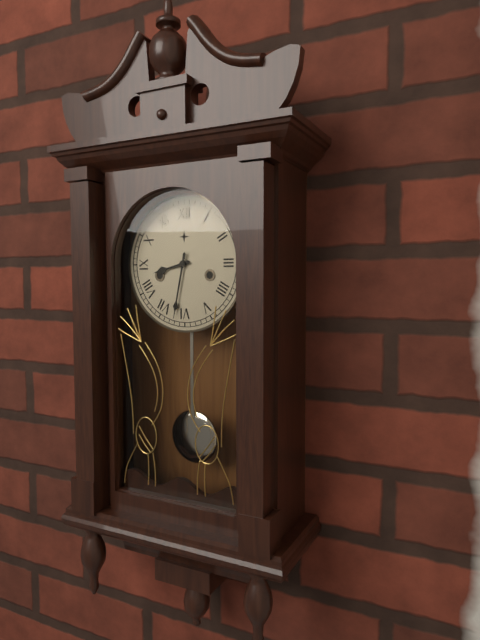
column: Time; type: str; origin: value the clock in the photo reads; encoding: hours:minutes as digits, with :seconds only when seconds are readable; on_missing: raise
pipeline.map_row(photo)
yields 8:32
